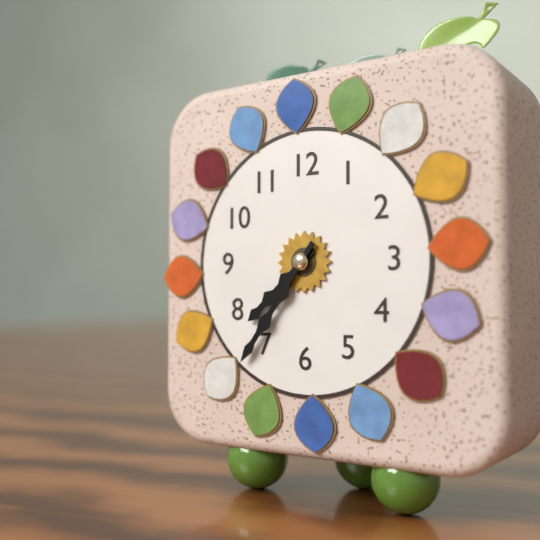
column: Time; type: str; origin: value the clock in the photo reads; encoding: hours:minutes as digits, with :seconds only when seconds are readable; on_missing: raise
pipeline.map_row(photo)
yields 7:36
